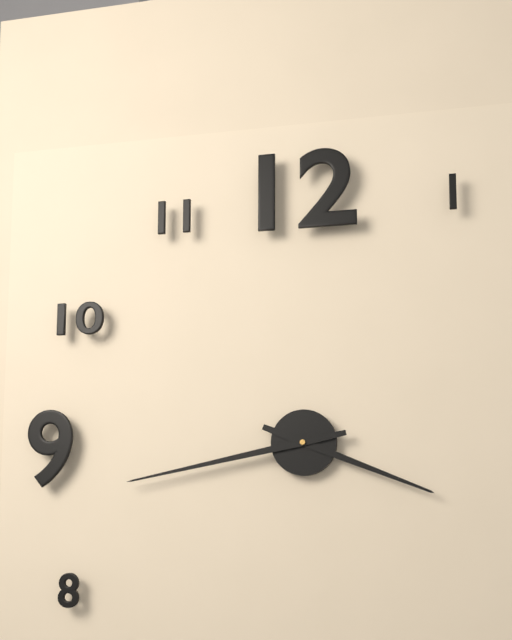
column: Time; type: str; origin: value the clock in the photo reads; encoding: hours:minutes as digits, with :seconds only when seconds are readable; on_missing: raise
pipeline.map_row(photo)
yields 3:43
